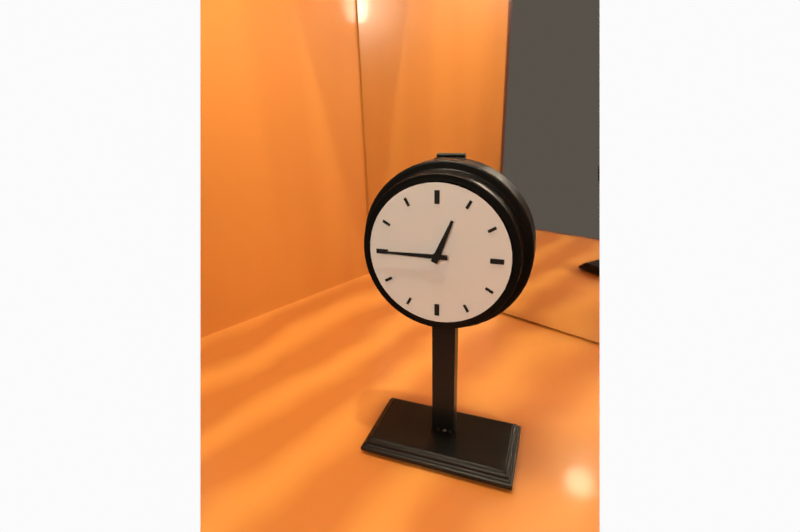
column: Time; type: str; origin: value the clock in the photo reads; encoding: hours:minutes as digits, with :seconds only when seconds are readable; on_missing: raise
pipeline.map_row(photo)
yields 12:45
